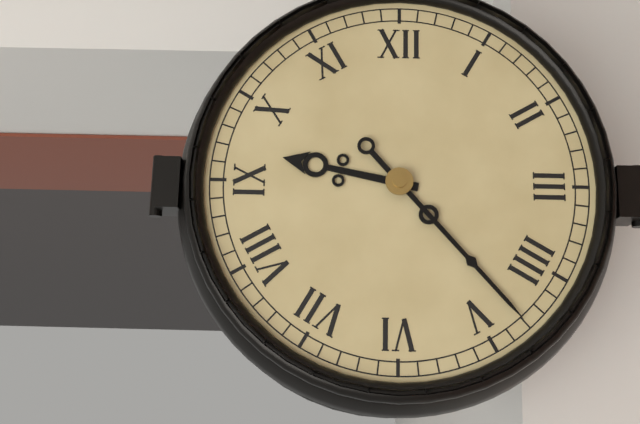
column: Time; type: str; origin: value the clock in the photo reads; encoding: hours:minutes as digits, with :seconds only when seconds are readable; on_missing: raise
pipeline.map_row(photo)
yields 9:23
